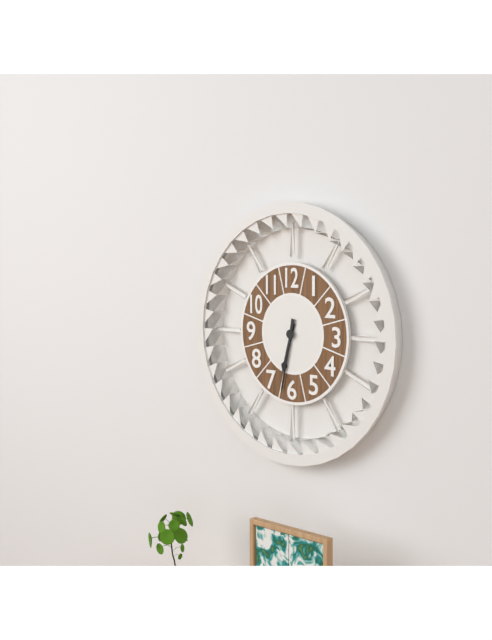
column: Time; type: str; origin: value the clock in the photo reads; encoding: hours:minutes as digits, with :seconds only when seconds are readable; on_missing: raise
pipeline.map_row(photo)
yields 6:32
